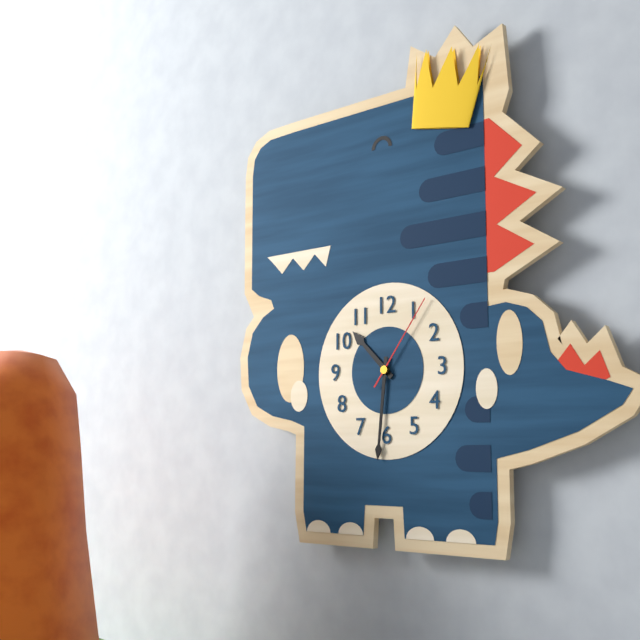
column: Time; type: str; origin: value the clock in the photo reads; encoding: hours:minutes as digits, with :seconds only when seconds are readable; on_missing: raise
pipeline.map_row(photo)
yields 10:31:06
